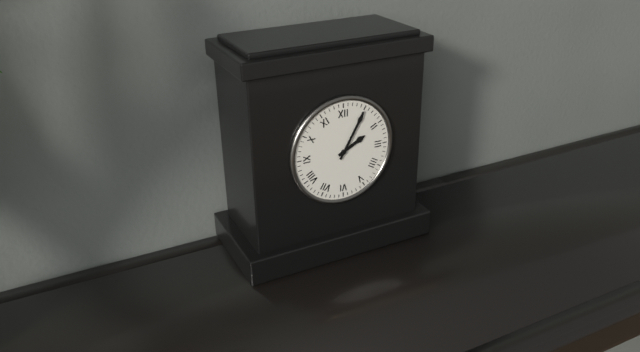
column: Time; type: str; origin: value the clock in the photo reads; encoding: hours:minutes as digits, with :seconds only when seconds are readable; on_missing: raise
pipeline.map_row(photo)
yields 2:05
